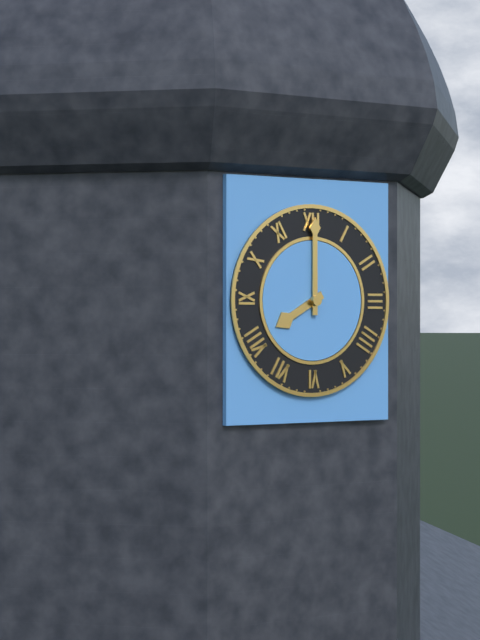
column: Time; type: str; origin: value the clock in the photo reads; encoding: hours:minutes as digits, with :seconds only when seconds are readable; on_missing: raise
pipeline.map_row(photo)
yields 8:00
